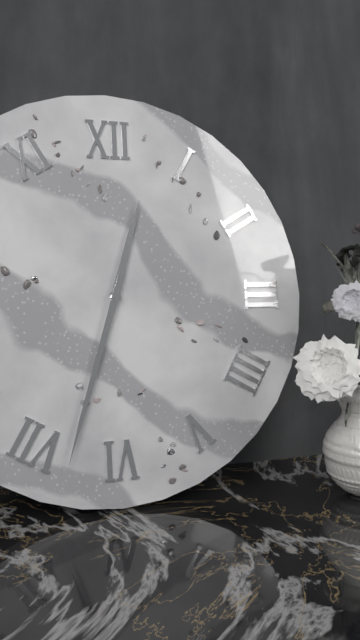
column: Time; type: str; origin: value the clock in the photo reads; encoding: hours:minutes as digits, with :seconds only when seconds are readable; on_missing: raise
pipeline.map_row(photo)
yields 12:33
